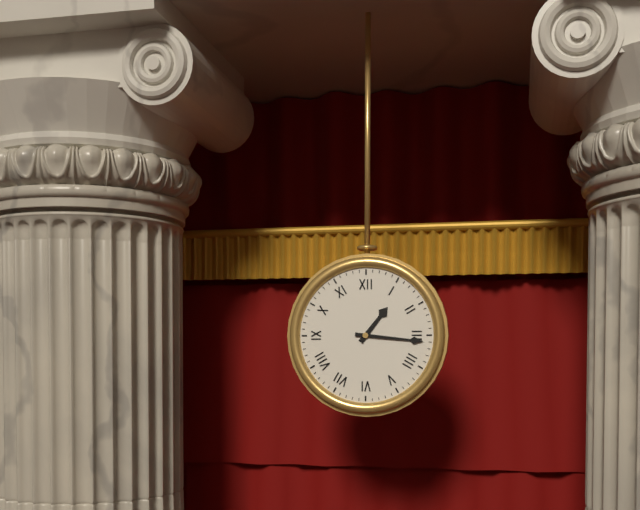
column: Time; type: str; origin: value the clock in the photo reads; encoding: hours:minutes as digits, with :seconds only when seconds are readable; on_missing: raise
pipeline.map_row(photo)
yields 1:16
